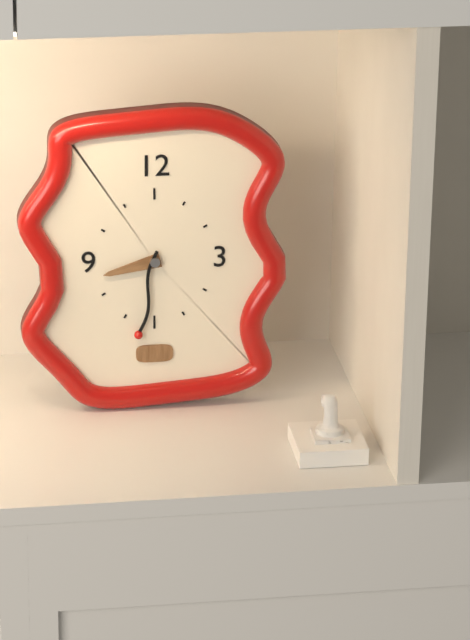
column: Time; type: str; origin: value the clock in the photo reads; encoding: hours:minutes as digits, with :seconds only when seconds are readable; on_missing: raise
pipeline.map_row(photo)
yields 8:32
